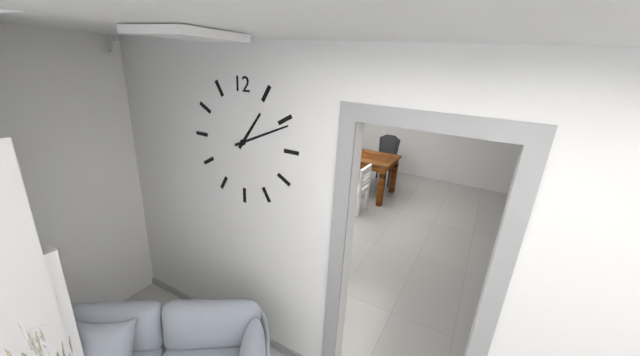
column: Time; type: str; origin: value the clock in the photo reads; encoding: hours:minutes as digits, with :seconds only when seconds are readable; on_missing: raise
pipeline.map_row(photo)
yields 1:11
